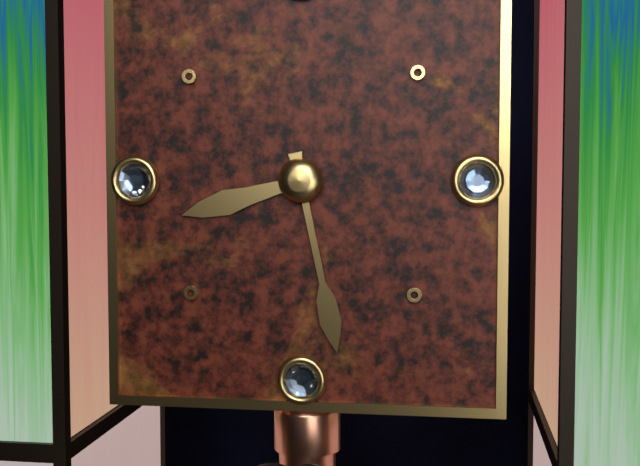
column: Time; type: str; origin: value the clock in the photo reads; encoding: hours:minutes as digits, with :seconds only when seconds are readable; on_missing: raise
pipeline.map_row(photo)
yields 8:28
